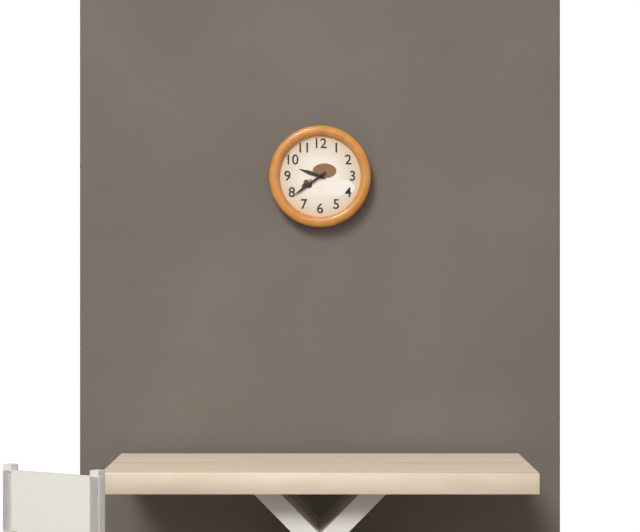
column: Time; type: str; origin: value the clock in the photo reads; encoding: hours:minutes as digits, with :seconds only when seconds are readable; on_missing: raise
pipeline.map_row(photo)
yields 9:39
